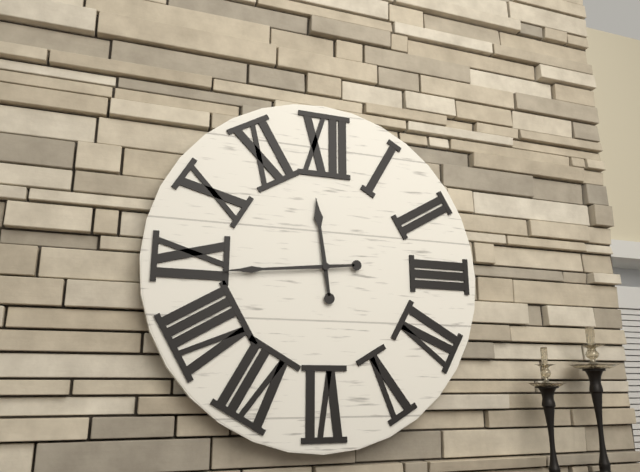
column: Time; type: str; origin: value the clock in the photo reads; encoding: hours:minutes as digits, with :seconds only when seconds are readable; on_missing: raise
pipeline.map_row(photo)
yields 11:44
